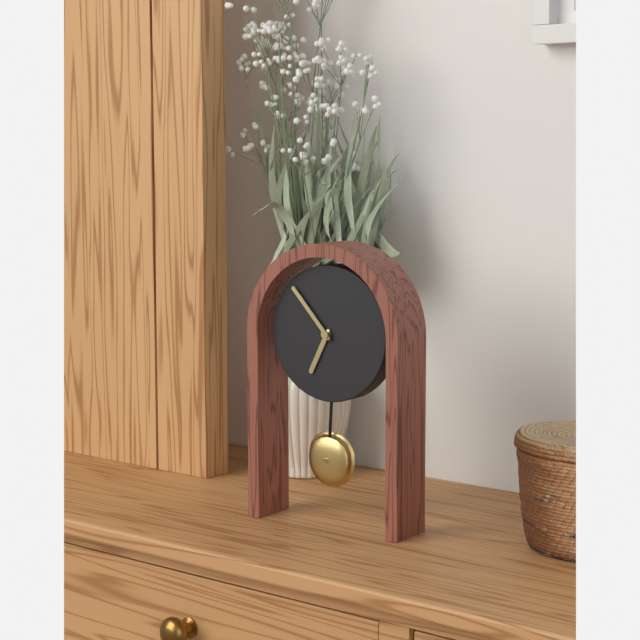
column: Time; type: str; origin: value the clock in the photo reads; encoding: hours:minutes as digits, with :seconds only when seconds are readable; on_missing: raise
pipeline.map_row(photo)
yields 6:53
